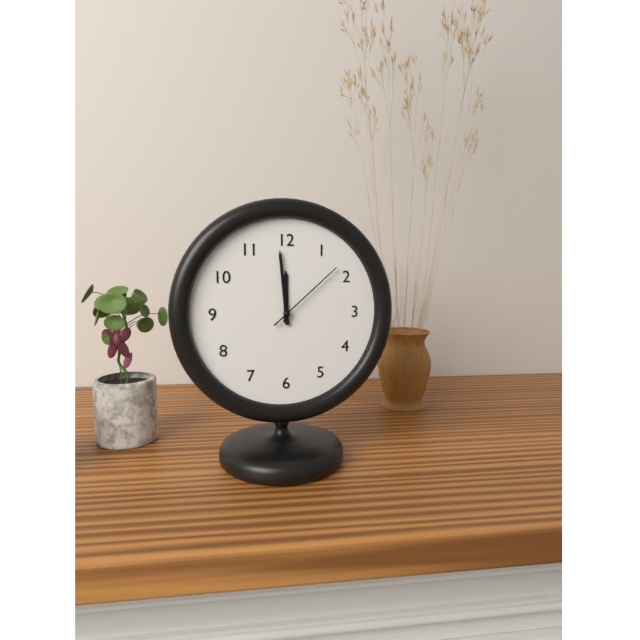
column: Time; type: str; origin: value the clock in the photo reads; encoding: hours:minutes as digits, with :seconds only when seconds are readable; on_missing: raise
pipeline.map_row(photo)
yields 11:59:08
